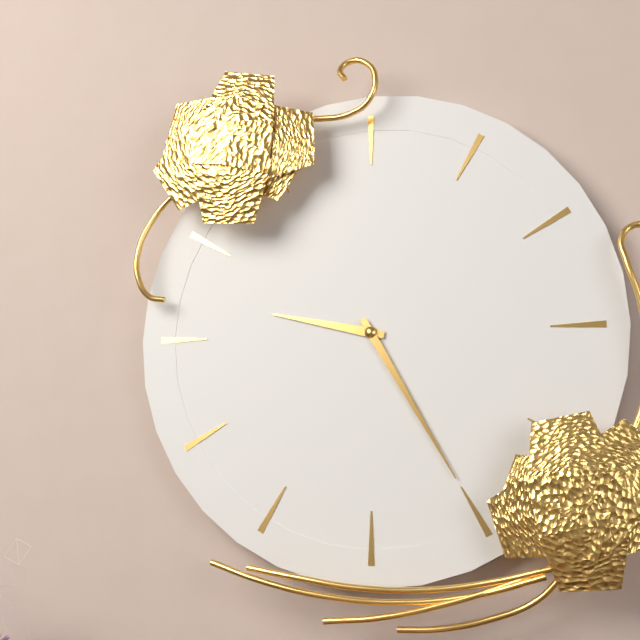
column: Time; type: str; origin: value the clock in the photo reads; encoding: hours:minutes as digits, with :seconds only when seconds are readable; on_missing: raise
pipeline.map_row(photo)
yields 9:25
